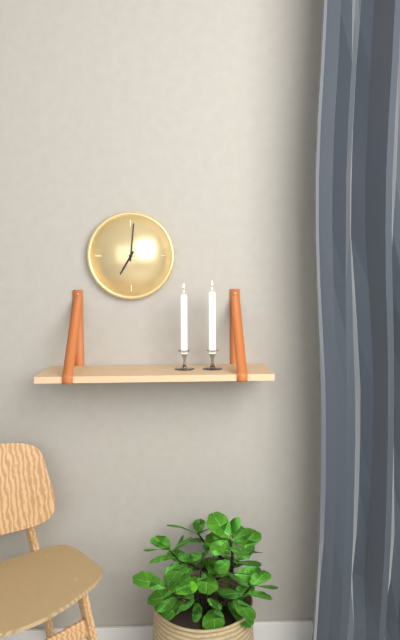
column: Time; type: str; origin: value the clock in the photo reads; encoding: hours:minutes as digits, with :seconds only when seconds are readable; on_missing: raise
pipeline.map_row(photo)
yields 7:01
